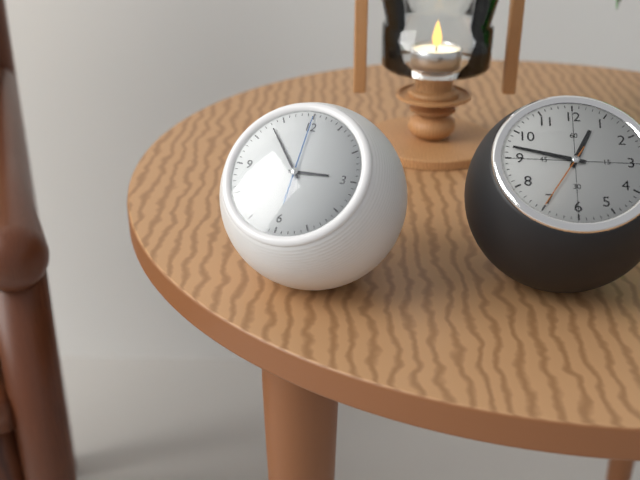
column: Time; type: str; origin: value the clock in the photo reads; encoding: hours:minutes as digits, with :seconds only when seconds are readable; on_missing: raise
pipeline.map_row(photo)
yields 2:53:00
